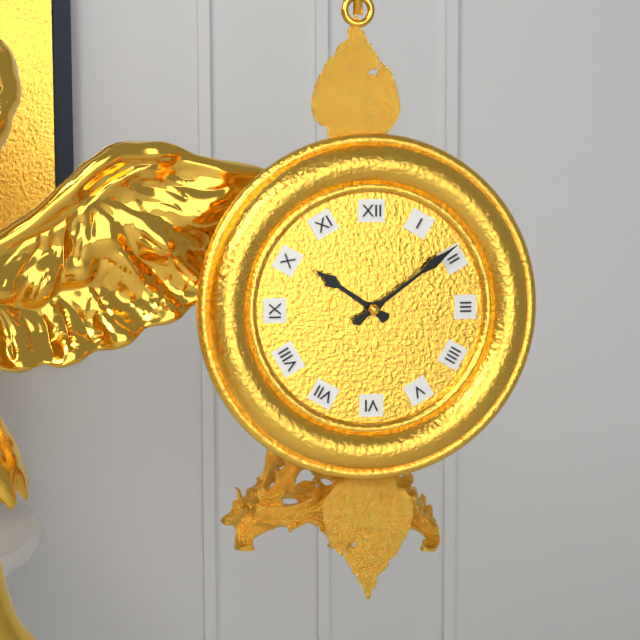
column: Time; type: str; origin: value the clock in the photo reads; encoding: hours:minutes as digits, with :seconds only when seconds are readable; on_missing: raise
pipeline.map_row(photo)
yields 10:09
